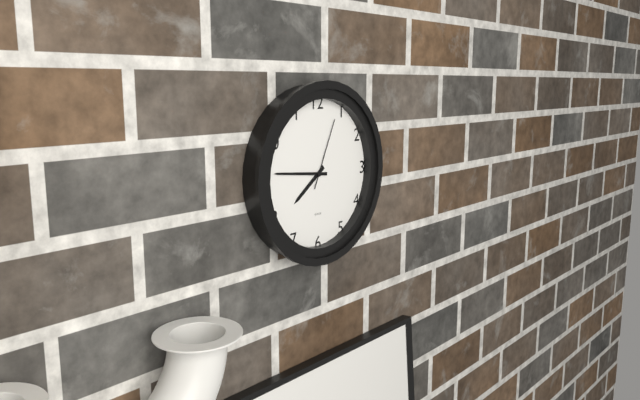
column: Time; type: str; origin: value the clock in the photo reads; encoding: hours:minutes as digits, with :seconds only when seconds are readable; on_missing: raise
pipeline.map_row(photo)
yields 7:46:04
